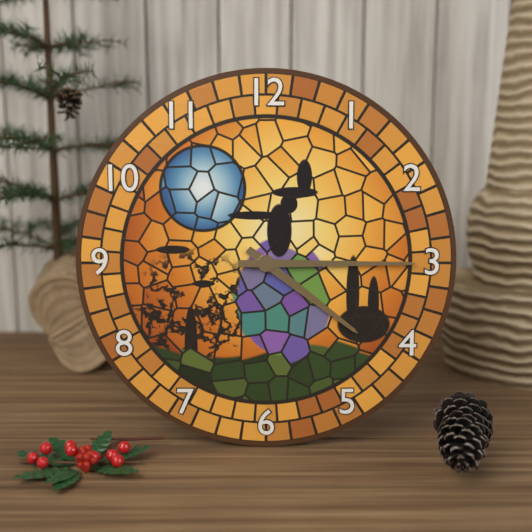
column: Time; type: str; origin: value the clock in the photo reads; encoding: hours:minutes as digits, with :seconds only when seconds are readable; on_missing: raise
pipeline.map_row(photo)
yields 4:15
